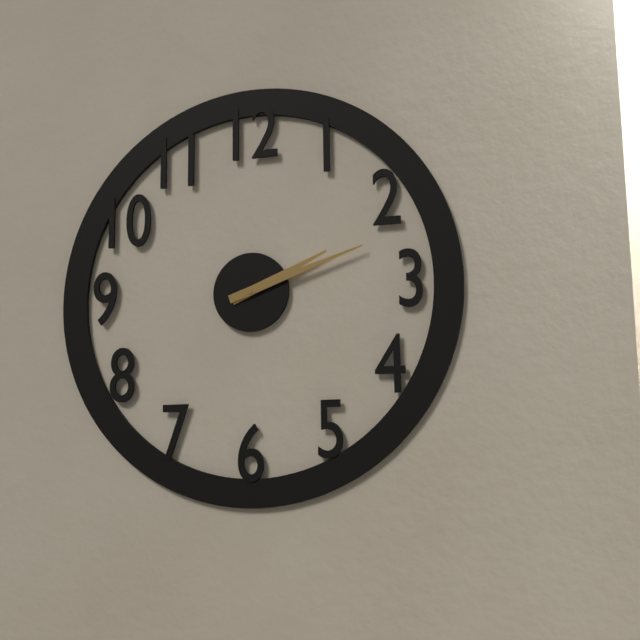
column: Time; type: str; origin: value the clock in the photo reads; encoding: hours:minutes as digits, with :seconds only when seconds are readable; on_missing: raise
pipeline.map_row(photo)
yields 2:12
